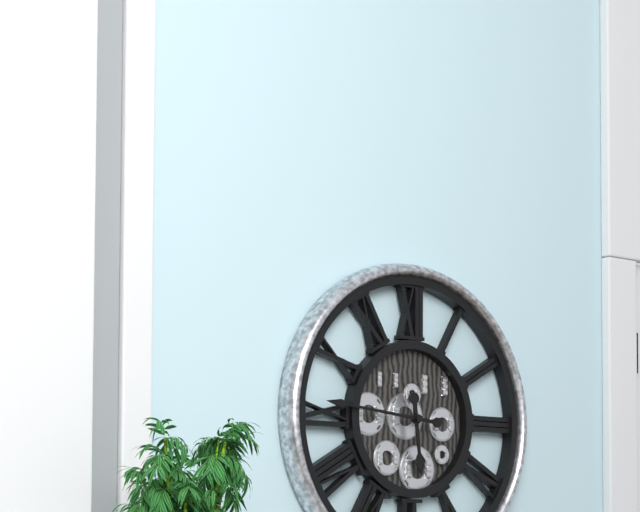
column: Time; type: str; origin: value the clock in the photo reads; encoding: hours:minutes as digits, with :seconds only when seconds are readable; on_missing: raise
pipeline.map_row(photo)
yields 5:46
